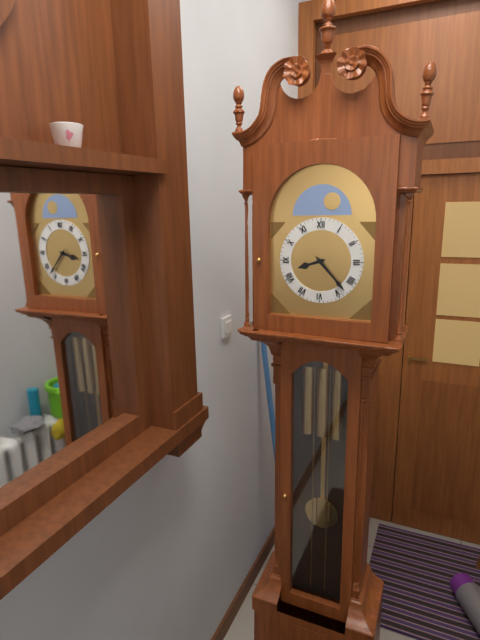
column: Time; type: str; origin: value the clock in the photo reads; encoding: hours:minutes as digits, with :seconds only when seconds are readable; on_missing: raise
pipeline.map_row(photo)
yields 8:23
